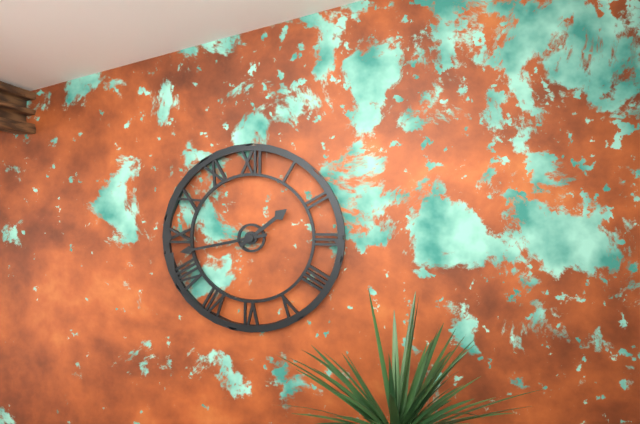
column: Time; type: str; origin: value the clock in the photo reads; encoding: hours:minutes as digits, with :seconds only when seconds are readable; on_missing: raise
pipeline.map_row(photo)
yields 1:43
